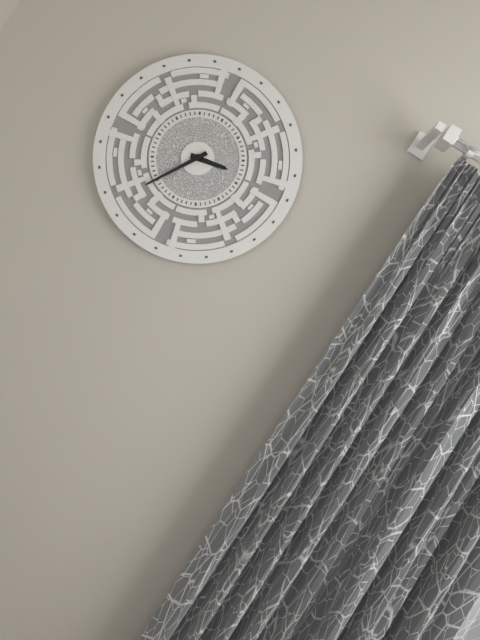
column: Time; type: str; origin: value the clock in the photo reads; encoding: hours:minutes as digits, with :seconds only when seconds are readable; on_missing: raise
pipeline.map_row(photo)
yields 2:35
